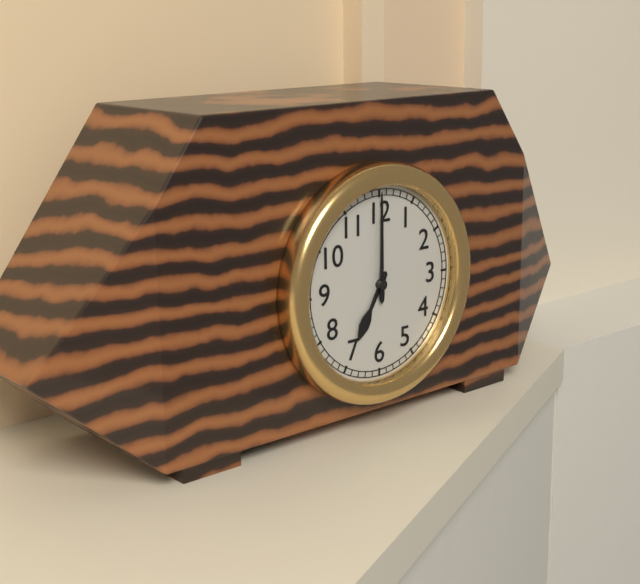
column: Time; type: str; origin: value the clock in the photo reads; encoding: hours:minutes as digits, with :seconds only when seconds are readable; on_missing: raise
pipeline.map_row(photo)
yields 7:00
